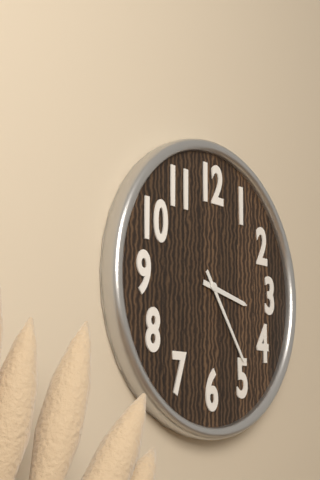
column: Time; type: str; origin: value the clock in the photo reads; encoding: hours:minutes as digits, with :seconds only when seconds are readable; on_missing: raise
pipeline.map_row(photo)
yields 3:24
